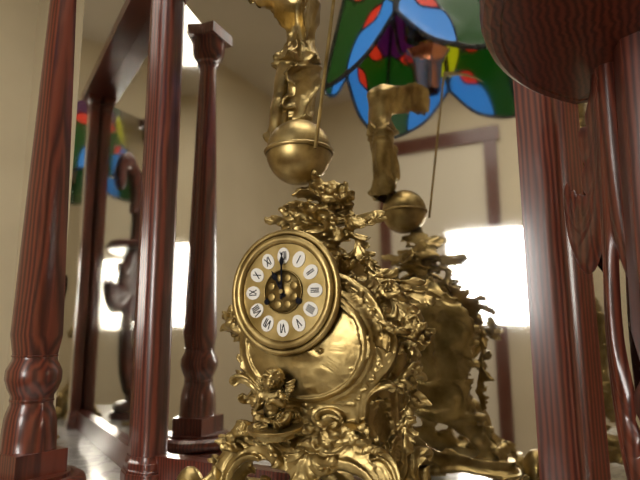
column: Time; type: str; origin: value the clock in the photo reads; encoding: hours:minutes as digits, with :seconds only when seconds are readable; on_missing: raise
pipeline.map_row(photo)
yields 11:00
